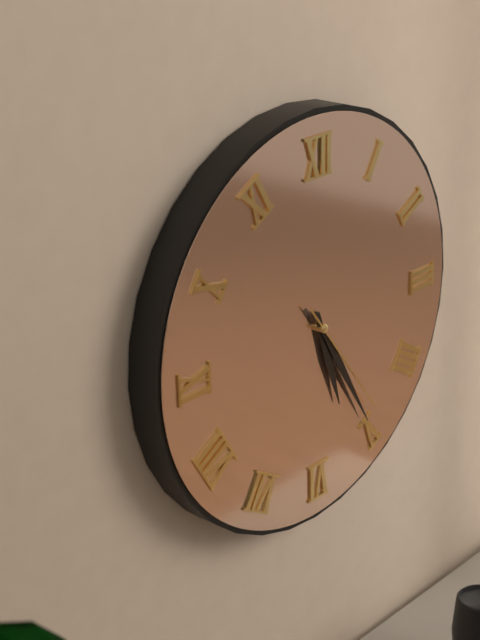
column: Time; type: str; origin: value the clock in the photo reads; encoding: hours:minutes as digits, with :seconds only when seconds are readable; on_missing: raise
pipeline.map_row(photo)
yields 5:25:24
